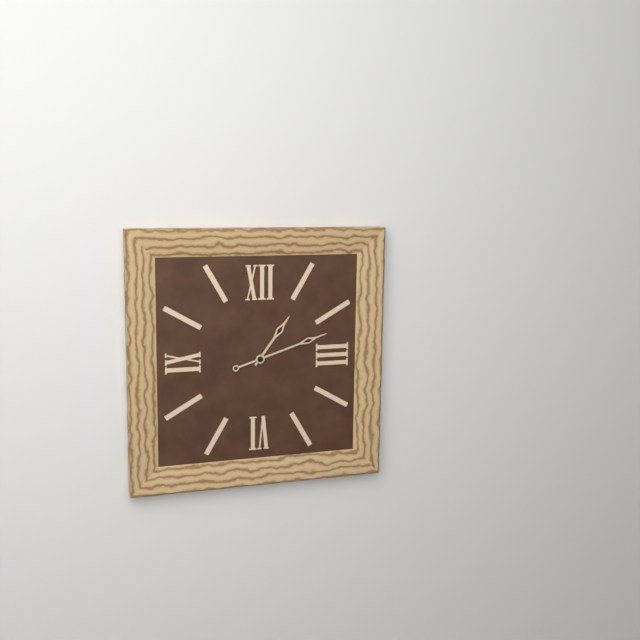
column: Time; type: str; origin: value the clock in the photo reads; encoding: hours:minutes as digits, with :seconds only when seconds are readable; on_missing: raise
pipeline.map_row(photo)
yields 1:12
